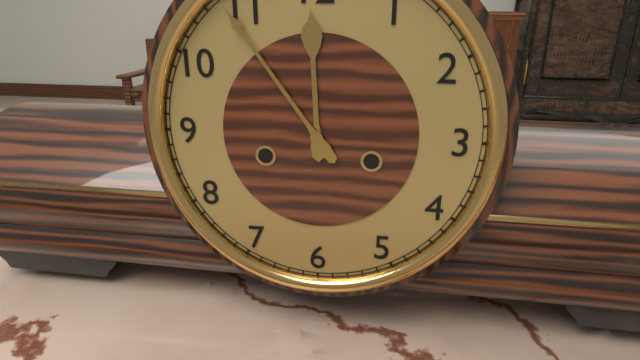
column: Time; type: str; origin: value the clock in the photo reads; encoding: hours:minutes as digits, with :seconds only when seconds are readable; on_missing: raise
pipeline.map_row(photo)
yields 11:54
